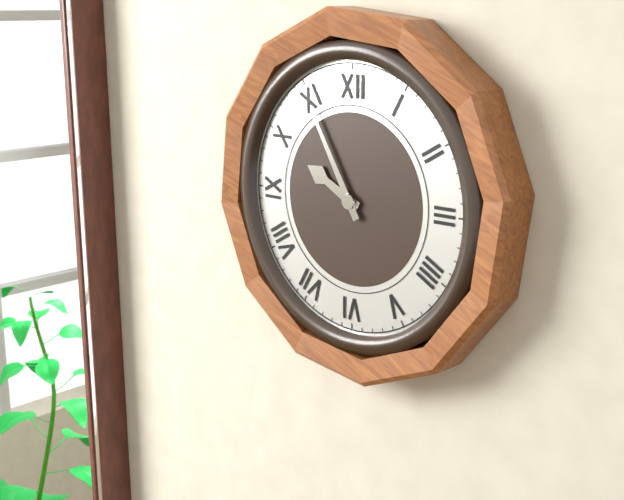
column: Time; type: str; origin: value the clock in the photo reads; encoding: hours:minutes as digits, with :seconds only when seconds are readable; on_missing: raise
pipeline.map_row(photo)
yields 9:55
